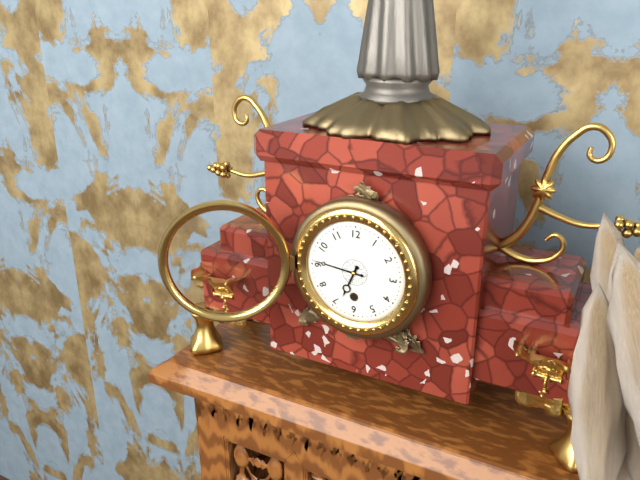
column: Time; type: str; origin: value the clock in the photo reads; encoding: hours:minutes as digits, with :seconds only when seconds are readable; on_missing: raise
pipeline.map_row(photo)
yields 6:46
